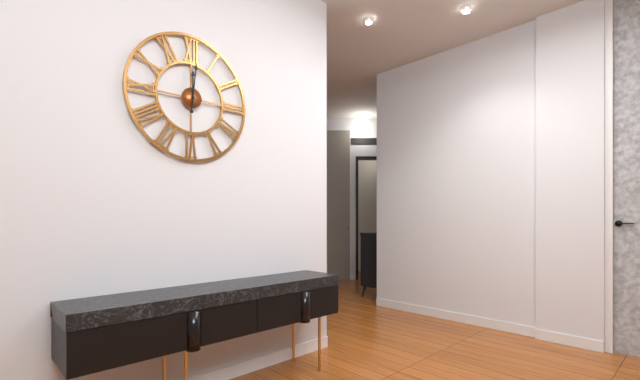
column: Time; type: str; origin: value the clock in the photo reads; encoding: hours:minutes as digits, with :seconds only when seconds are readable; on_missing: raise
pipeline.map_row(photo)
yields 12:01
